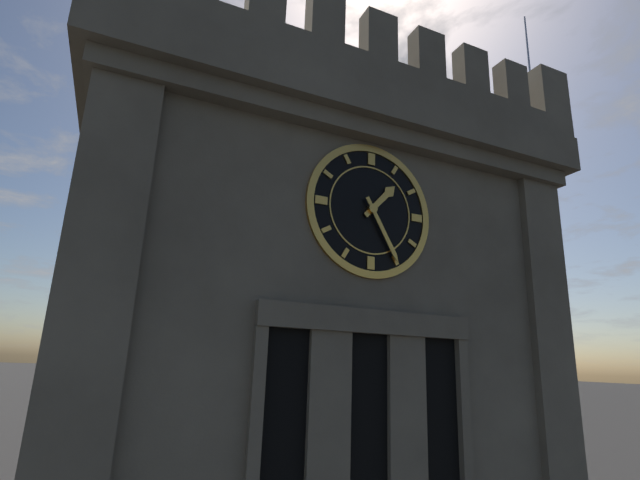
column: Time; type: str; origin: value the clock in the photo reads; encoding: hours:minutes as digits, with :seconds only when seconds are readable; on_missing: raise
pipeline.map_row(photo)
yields 1:25
